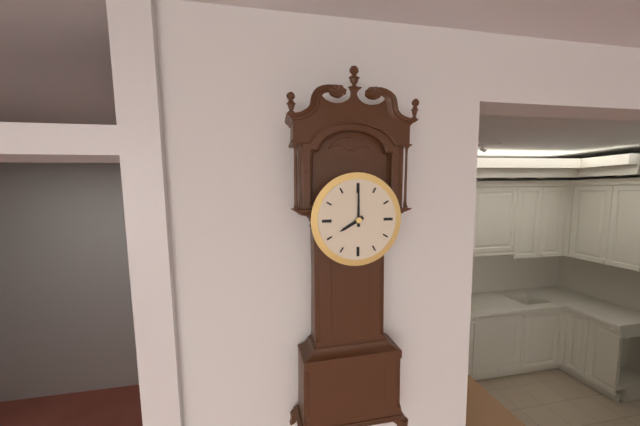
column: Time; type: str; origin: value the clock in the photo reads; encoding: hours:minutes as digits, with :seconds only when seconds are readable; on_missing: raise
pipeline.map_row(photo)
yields 8:00
